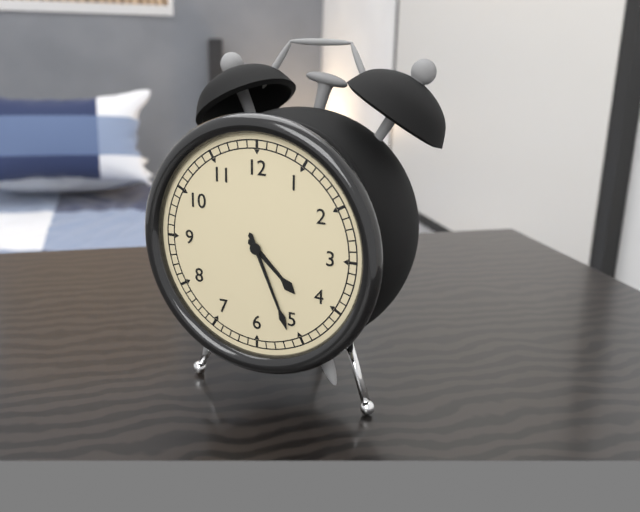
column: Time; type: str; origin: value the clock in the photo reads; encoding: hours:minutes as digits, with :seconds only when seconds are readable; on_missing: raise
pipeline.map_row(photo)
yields 4:26
